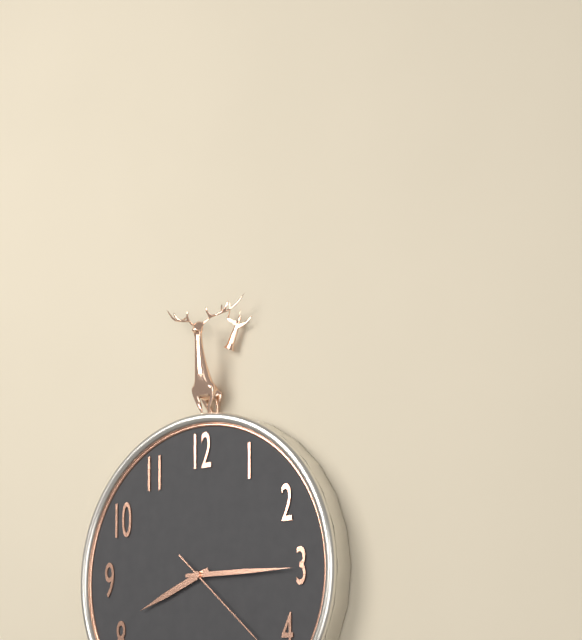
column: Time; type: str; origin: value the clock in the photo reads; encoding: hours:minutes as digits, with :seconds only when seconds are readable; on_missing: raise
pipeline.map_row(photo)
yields 8:15
